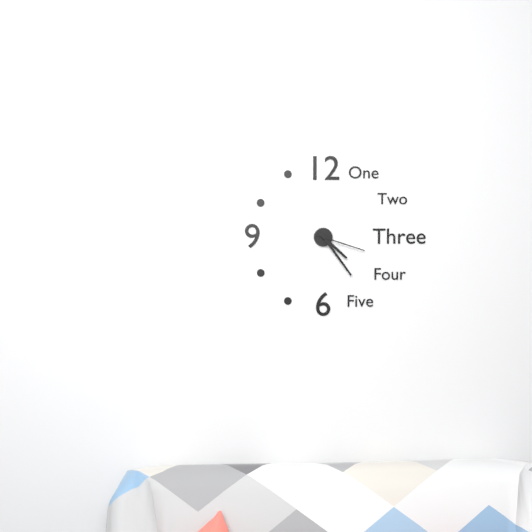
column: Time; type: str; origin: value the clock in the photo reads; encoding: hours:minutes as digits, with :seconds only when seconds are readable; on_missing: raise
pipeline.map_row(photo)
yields 4:24:18
